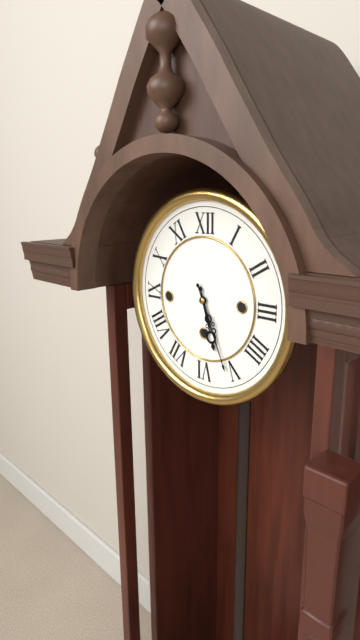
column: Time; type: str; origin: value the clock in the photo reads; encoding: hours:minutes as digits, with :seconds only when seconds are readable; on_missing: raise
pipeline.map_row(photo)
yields 5:26
